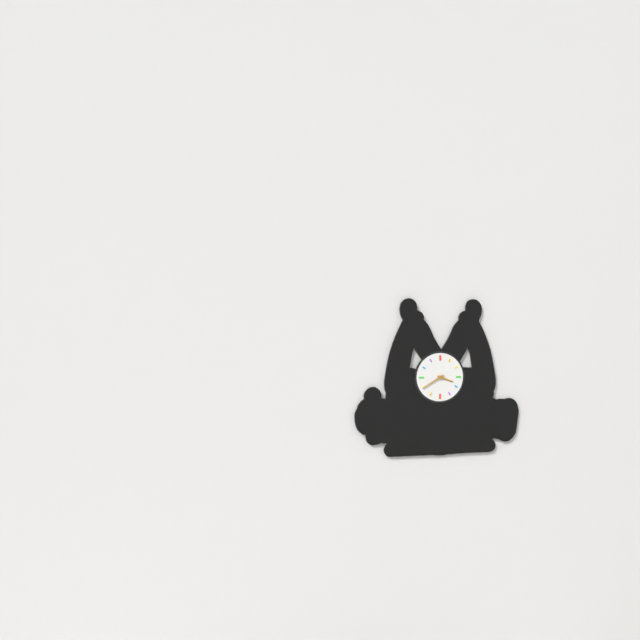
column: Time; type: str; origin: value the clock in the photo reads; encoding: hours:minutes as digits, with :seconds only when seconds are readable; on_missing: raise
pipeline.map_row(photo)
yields 3:40
